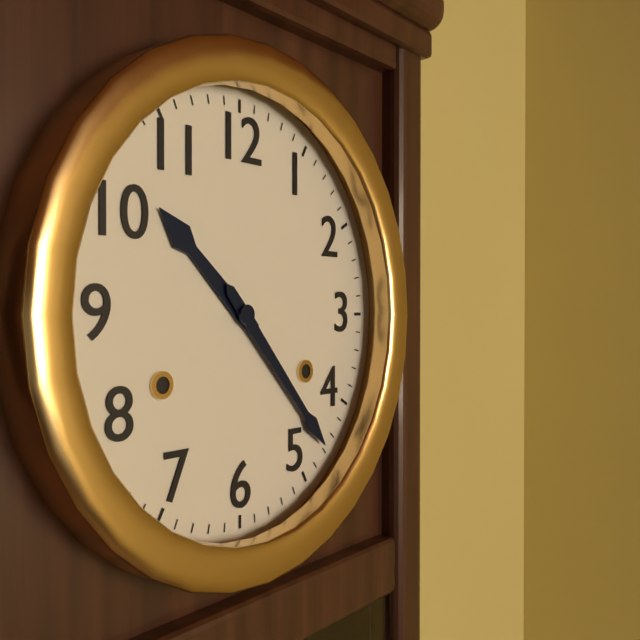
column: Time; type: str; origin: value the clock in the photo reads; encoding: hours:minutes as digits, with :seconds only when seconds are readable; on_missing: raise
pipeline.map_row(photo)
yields 10:23
